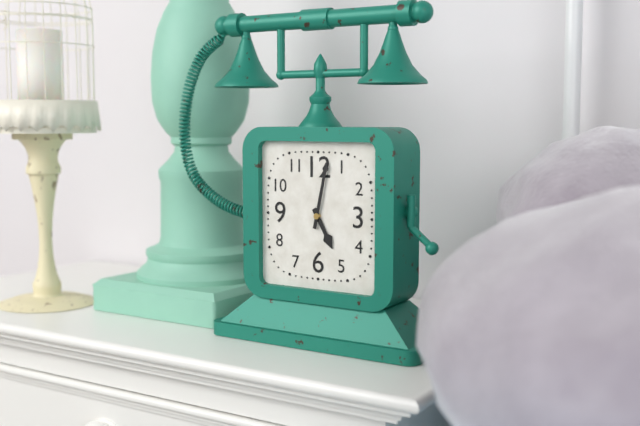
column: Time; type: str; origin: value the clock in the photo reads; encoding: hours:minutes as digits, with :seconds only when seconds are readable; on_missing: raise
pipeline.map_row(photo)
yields 5:02
